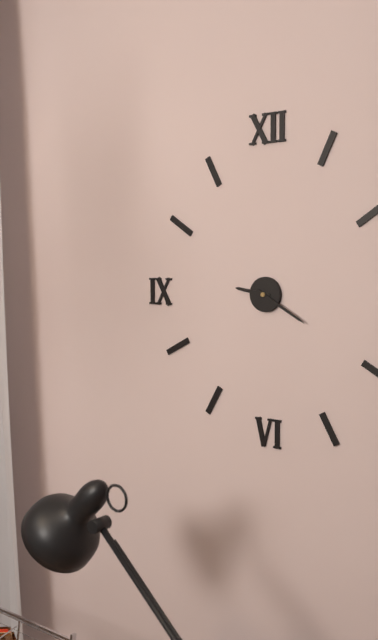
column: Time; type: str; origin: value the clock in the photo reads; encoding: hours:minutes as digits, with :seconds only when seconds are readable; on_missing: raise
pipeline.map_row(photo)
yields 9:20
